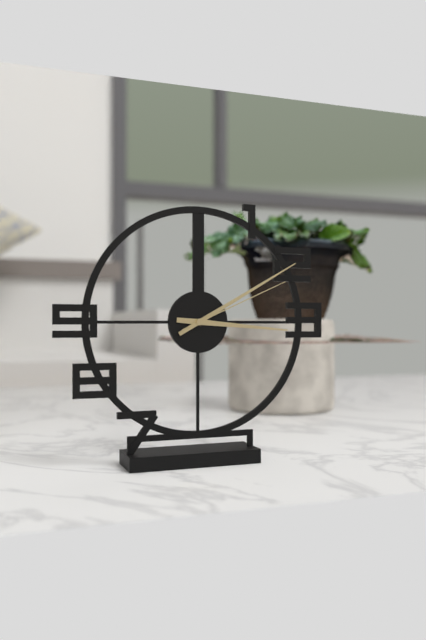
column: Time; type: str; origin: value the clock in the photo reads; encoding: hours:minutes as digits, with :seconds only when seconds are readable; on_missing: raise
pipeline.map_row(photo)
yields 3:10:11
